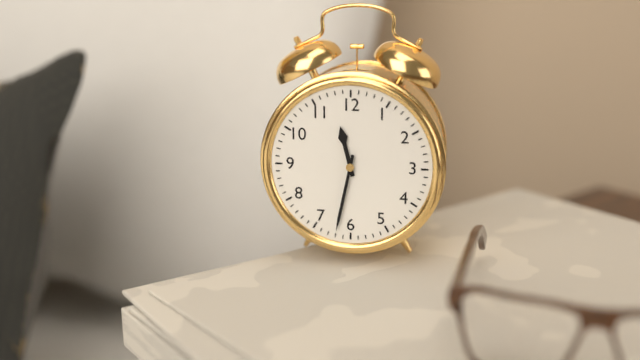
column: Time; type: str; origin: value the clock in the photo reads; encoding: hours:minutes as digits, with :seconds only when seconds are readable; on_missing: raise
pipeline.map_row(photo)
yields 11:32
